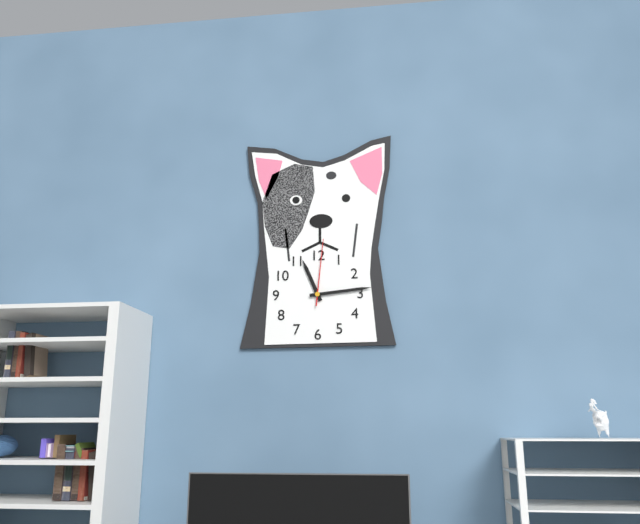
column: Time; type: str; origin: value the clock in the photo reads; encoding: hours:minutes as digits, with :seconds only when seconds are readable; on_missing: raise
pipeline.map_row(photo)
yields 11:14:01
